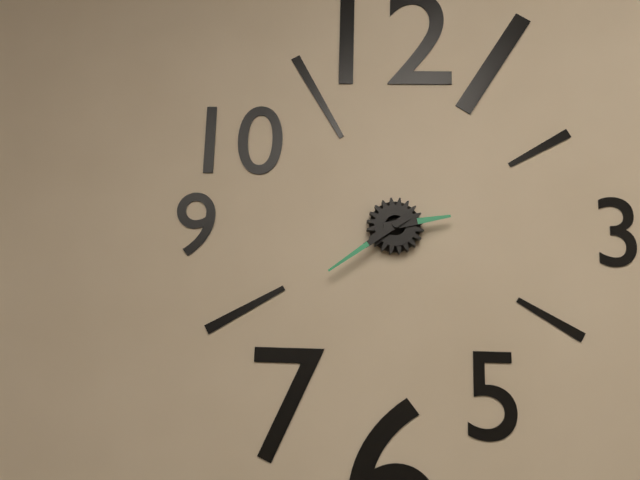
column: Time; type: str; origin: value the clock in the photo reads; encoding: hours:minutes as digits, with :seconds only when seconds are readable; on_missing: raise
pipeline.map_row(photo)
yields 2:39
